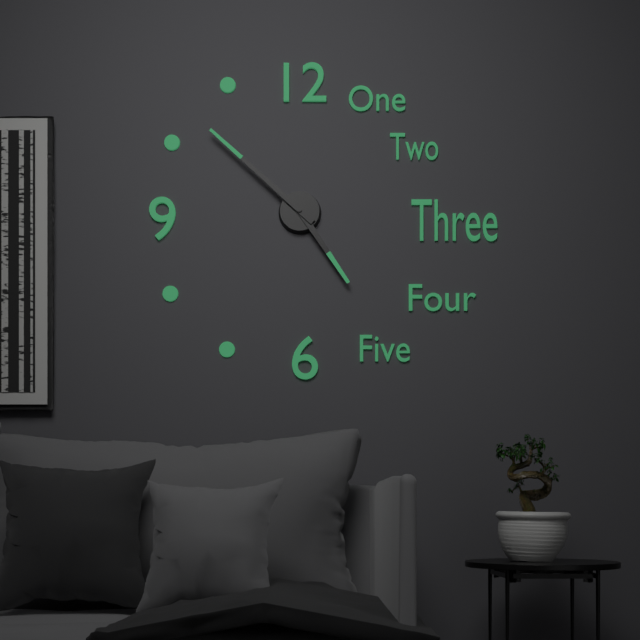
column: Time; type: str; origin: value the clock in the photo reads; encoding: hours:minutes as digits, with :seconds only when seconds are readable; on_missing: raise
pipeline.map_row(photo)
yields 4:52
